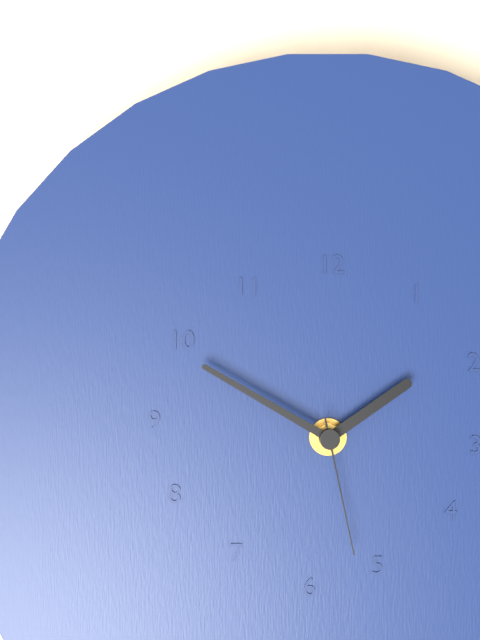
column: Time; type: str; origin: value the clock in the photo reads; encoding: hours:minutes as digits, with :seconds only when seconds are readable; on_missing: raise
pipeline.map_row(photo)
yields 1:50:28
